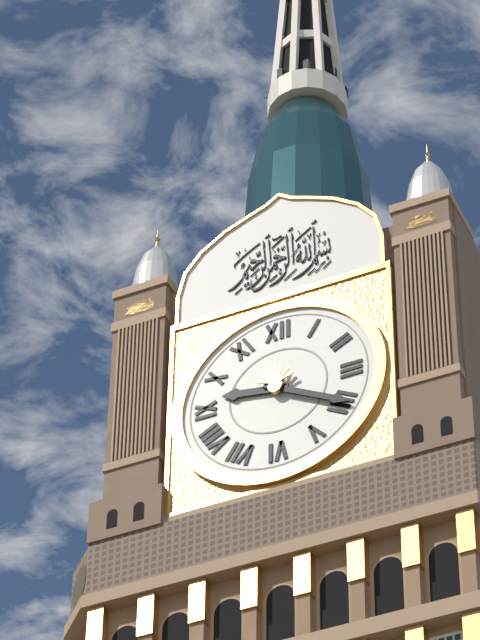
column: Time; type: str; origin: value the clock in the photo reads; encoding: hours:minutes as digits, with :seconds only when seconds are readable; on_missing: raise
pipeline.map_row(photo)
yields 9:20
